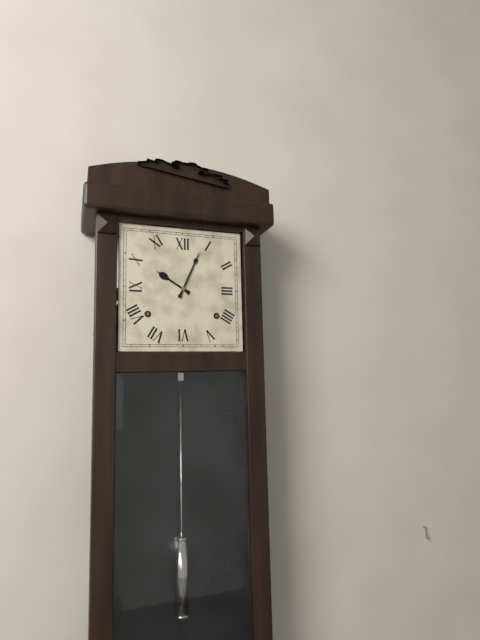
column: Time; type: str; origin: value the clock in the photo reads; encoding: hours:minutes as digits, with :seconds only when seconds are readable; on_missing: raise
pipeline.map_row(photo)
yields 10:04
